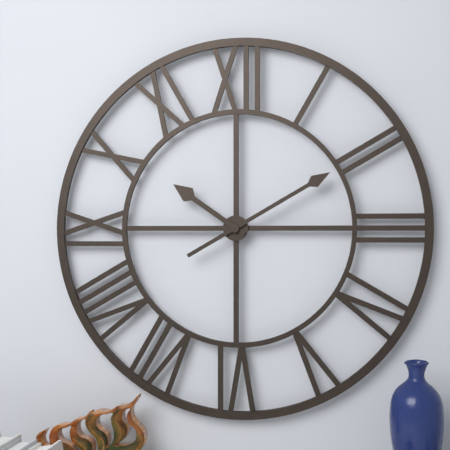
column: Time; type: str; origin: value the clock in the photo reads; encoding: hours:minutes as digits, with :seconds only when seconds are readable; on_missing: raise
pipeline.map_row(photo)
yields 10:10
